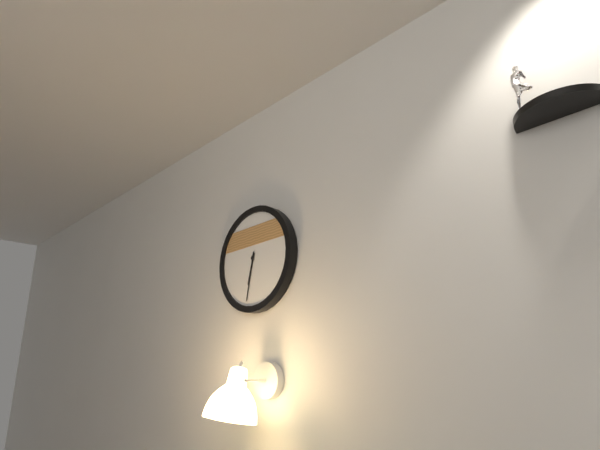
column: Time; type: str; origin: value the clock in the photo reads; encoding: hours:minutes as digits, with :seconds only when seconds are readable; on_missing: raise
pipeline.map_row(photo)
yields 6:32
